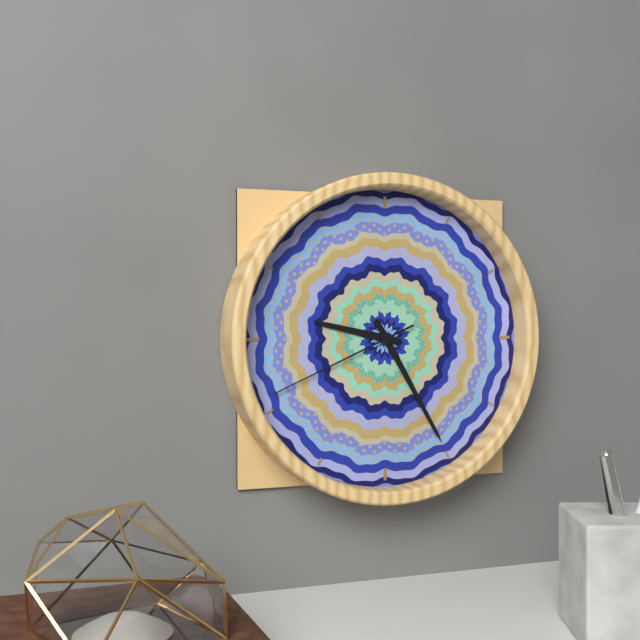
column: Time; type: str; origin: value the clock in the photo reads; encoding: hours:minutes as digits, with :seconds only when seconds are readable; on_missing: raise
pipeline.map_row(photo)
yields 9:25:41
